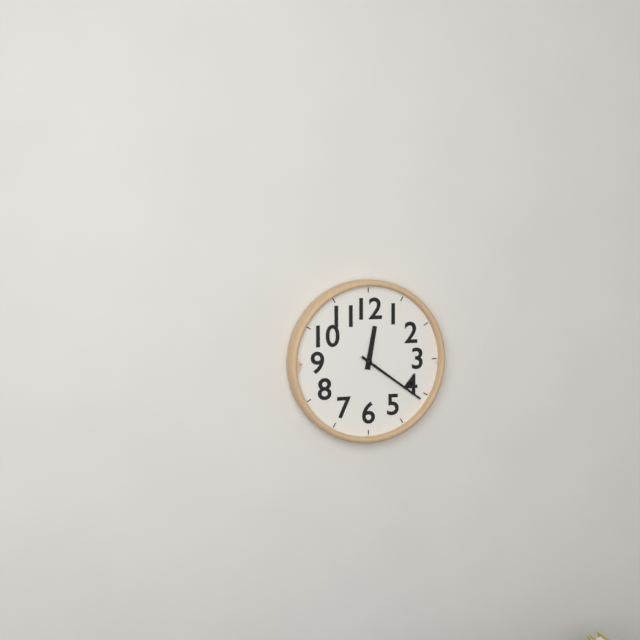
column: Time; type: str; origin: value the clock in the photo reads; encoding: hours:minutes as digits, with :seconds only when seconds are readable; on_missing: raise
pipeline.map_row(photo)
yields 12:21
